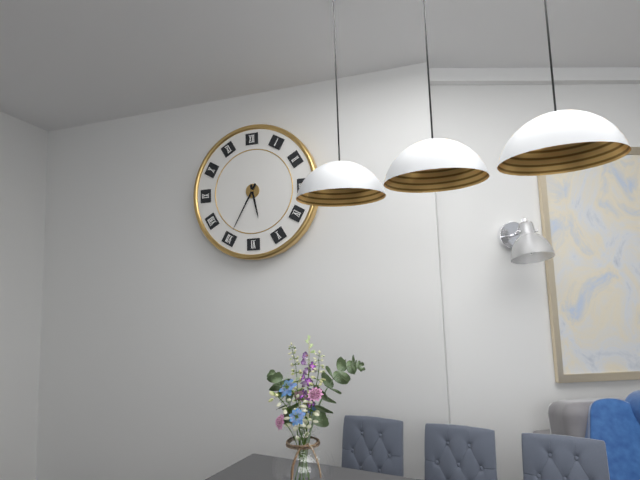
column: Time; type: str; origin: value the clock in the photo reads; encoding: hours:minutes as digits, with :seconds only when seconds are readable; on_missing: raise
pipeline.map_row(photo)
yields 5:35
